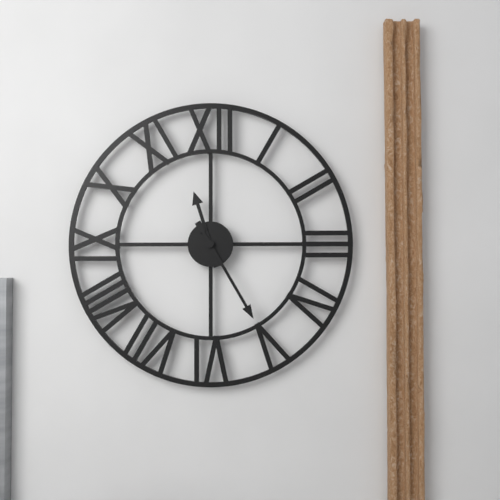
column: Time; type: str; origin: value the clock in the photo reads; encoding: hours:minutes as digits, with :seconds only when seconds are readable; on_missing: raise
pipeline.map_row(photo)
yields 11:25
